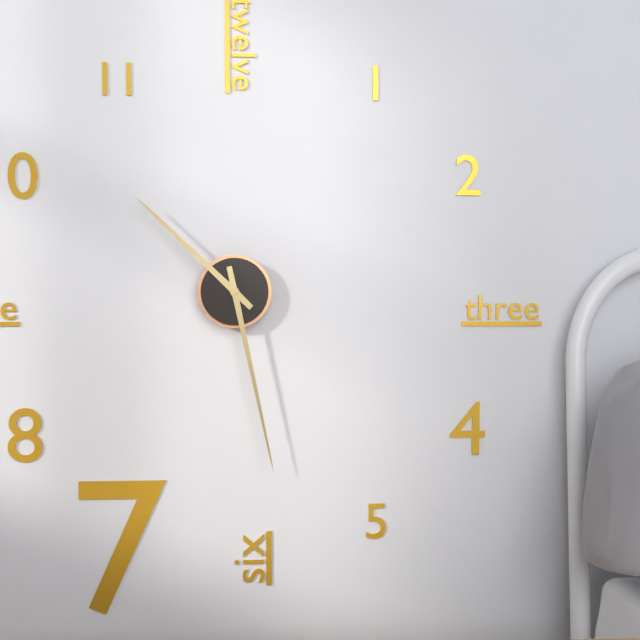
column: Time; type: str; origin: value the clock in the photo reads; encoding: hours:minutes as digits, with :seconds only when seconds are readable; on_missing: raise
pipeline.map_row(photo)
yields 10:28
